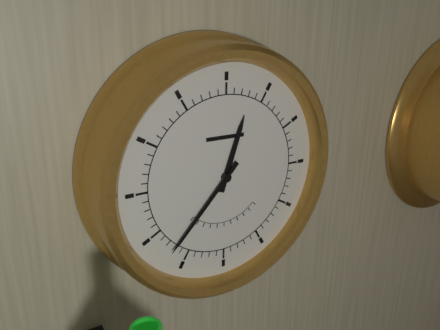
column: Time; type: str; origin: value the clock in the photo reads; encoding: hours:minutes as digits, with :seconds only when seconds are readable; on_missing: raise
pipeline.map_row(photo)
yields 12:37
